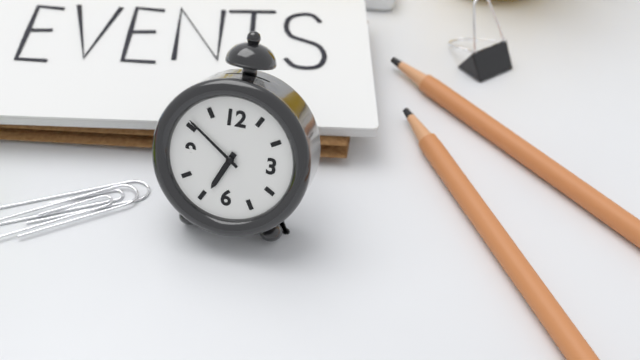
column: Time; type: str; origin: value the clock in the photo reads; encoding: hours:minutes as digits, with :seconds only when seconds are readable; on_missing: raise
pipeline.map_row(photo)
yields 6:51
